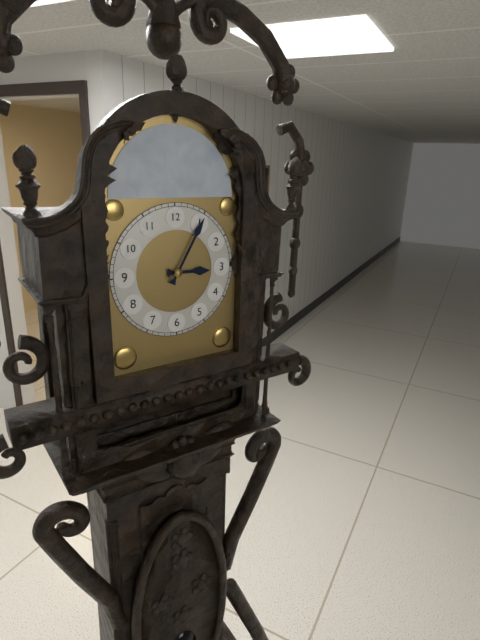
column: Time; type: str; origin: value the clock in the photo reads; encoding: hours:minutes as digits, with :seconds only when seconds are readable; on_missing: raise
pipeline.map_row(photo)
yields 3:05
